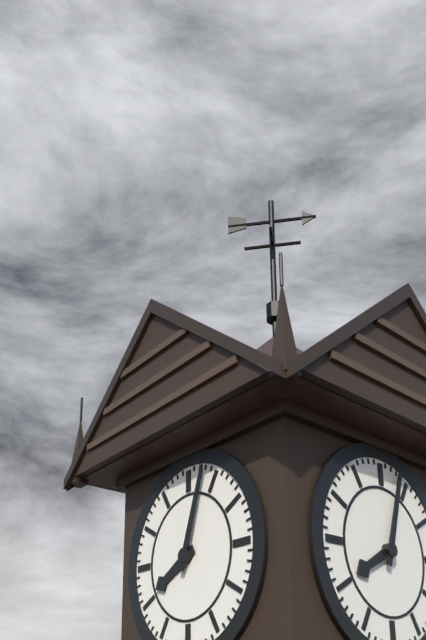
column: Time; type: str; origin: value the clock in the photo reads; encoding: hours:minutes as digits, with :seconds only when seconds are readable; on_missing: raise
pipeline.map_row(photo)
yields 8:03
